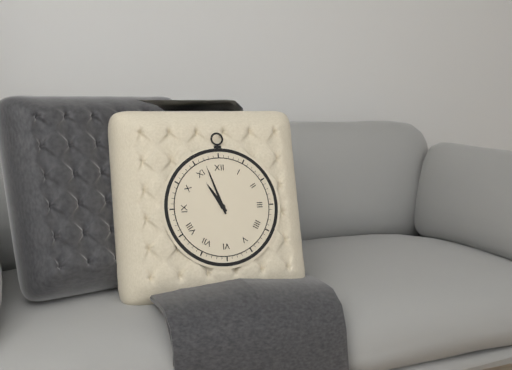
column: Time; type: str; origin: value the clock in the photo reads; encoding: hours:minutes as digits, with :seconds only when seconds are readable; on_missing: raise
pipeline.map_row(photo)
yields 10:57
